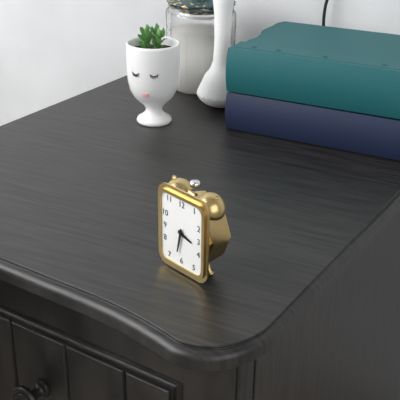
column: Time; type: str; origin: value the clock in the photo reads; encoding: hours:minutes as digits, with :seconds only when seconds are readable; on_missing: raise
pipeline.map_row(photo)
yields 3:32
